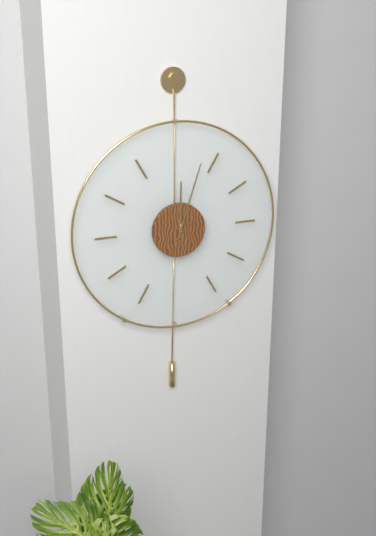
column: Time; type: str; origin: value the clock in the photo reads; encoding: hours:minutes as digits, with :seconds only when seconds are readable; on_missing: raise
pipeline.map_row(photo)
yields 12:03
